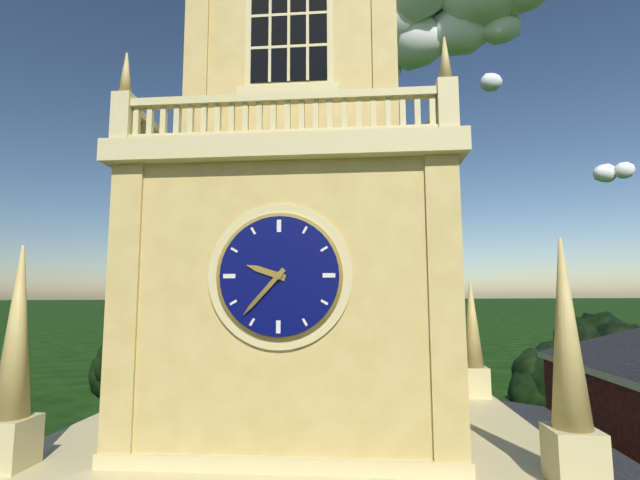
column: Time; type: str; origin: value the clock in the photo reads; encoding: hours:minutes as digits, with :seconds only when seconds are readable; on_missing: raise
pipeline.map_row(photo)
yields 9:37
